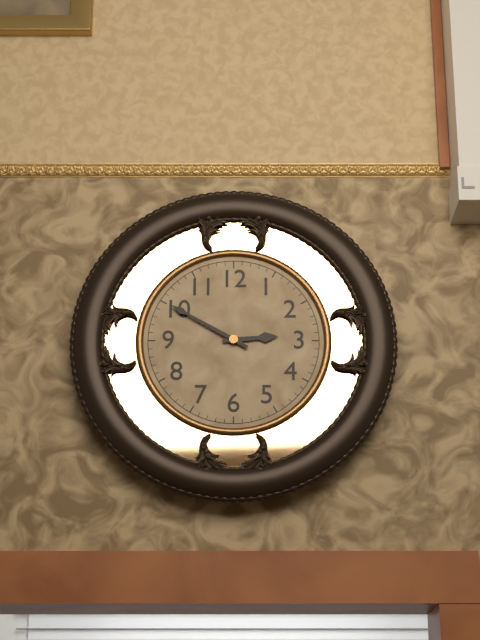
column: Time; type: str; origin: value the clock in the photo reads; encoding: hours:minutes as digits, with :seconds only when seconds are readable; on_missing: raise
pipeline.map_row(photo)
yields 2:50
